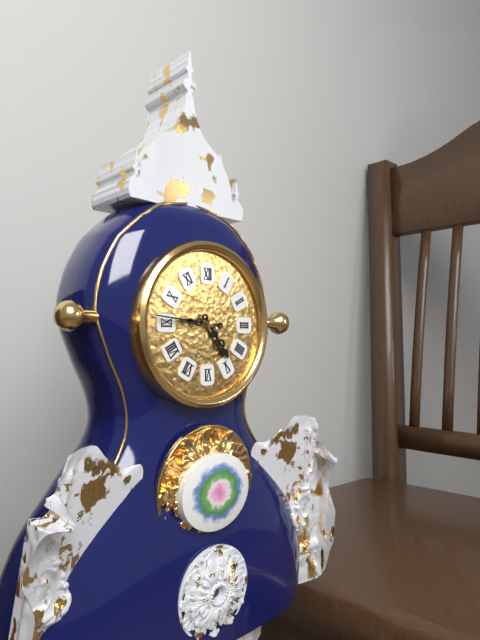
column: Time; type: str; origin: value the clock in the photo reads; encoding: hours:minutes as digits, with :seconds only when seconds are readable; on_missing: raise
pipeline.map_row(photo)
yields 4:46
